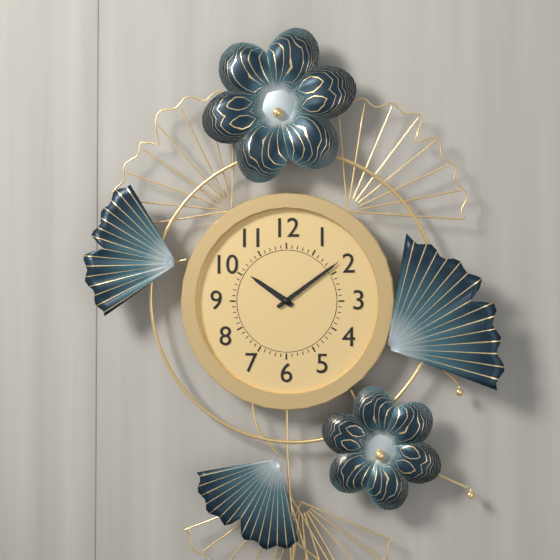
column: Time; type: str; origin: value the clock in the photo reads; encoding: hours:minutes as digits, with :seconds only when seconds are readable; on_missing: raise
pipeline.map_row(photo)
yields 10:09
